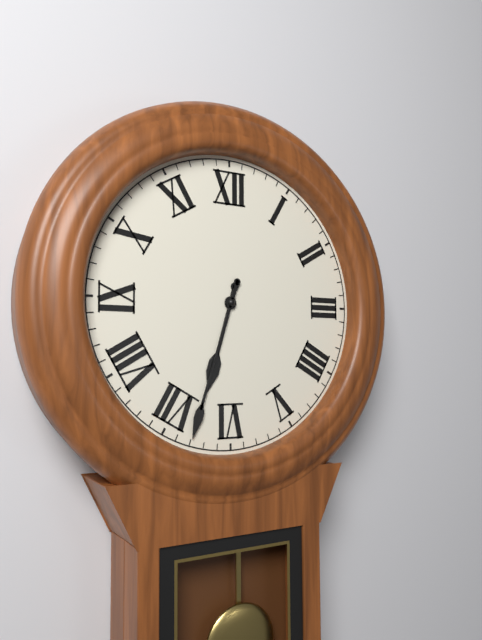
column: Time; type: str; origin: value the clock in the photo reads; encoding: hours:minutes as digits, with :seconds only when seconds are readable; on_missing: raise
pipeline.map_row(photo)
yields 6:33
